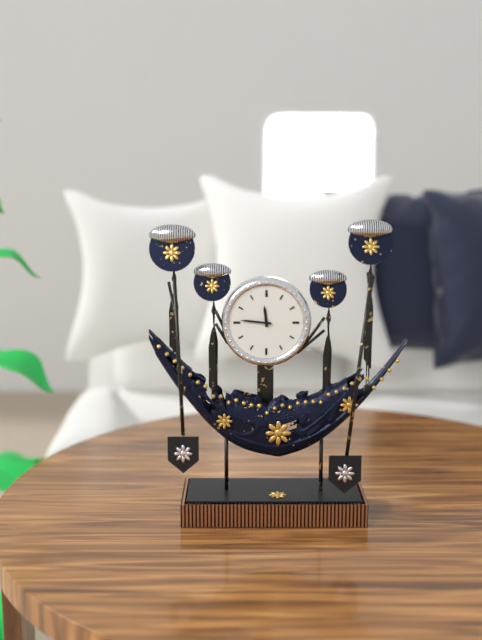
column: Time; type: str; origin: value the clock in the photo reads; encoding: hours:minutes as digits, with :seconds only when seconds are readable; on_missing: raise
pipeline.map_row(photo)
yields 11:46
